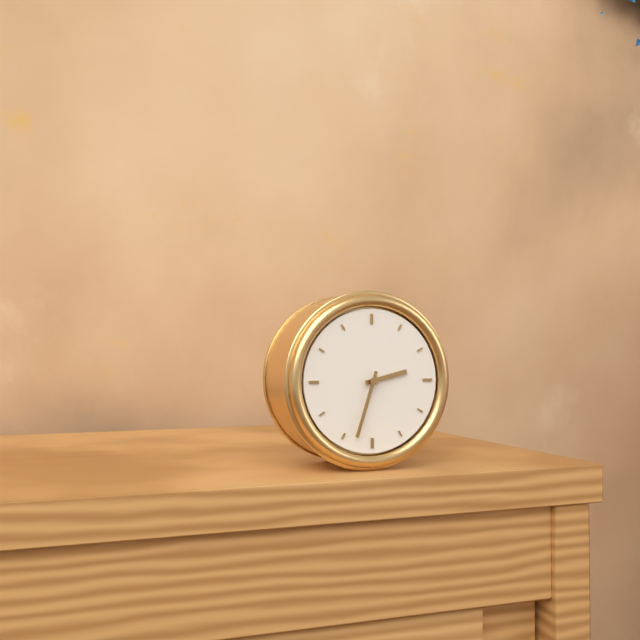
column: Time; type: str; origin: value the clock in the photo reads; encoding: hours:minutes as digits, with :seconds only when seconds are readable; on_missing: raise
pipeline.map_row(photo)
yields 2:33
